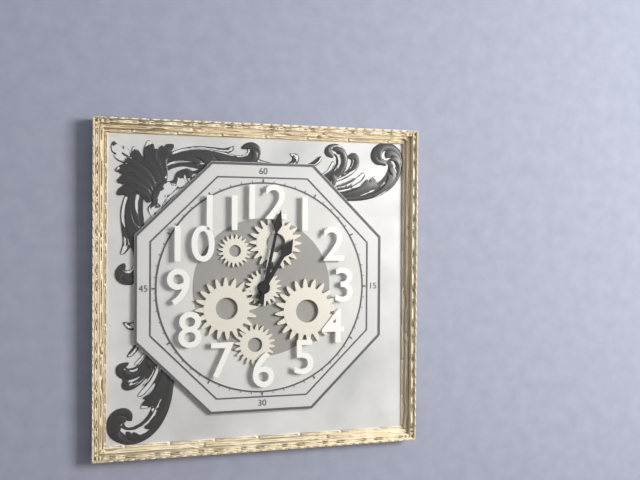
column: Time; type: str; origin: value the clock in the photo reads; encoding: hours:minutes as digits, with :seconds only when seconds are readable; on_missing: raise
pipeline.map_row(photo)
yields 1:02
